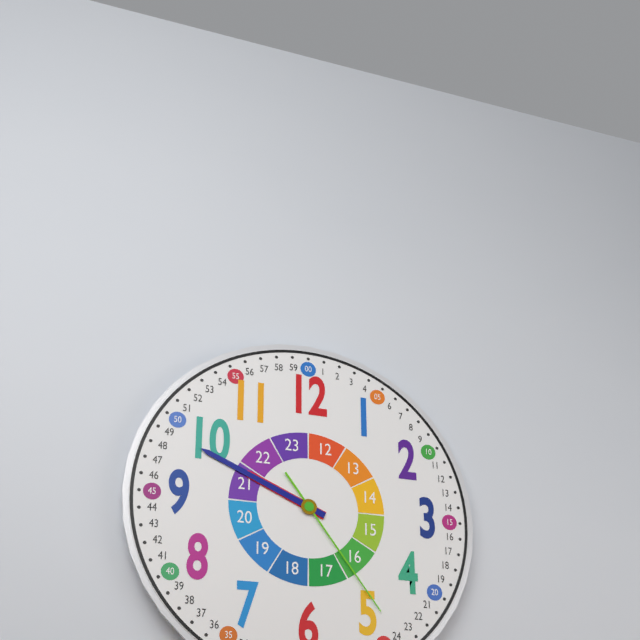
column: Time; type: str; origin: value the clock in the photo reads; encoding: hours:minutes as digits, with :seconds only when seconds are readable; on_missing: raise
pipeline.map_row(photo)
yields 9:49:24
